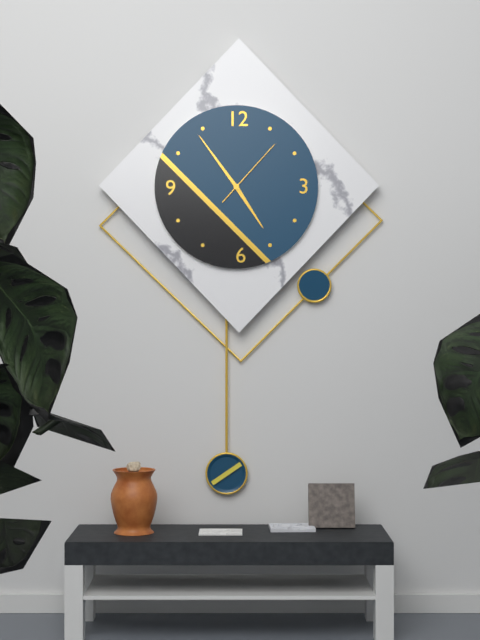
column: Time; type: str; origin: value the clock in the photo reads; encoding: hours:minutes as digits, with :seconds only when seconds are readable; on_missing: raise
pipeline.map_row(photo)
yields 4:54:07
